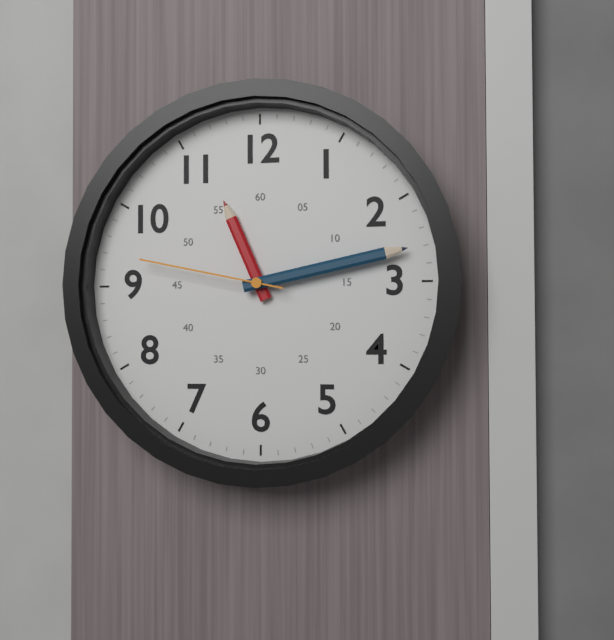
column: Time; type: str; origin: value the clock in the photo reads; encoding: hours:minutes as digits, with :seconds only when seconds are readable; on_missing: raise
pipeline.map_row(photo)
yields 11:13:47
